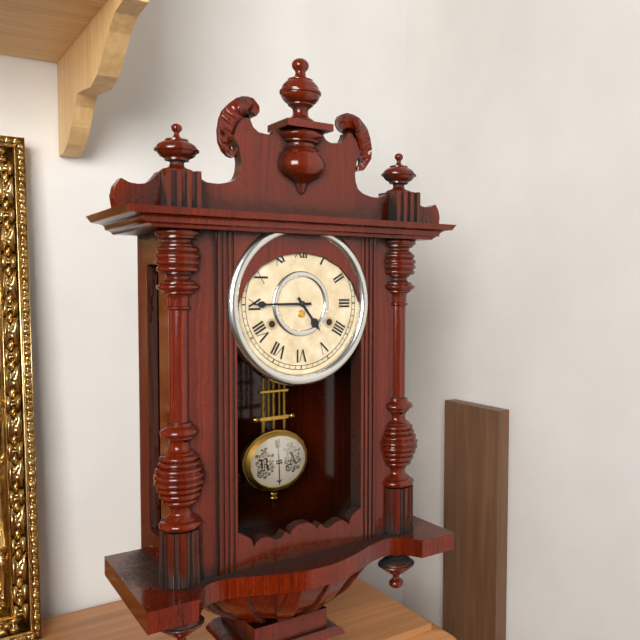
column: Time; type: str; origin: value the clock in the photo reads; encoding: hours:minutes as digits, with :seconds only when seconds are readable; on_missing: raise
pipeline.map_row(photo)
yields 4:45
